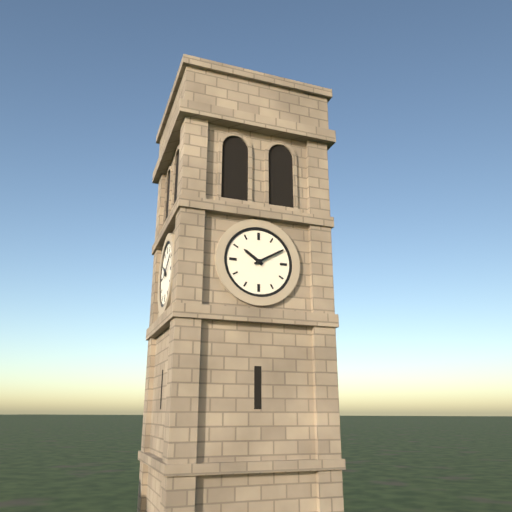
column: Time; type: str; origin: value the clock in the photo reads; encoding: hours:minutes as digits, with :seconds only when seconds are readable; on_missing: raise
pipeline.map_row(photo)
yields 10:10
